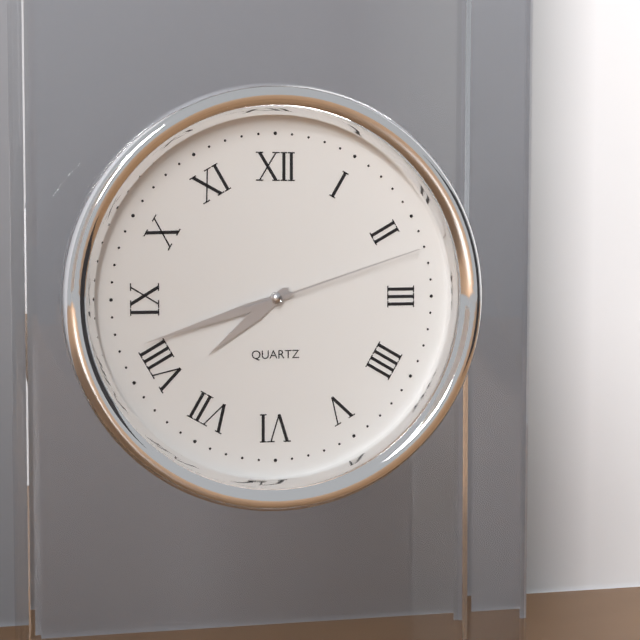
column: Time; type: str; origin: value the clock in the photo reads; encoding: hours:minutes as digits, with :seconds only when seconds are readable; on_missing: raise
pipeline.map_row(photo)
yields 7:42:12
